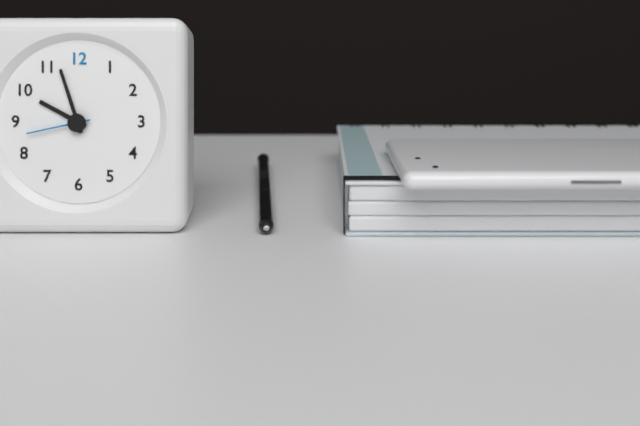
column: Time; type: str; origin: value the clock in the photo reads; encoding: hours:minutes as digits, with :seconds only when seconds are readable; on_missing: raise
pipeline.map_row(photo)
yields 9:57:43
